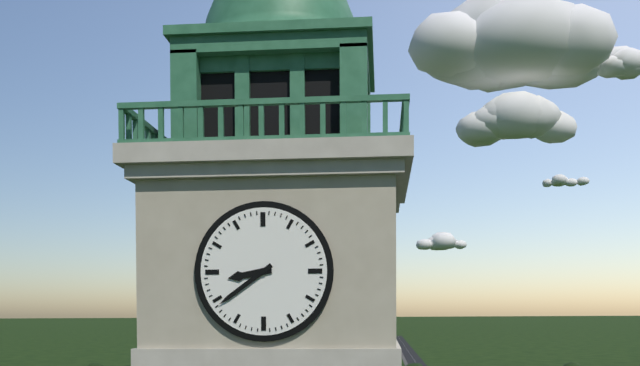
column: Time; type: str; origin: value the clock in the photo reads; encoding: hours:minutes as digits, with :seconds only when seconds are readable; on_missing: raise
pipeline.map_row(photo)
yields 8:39
